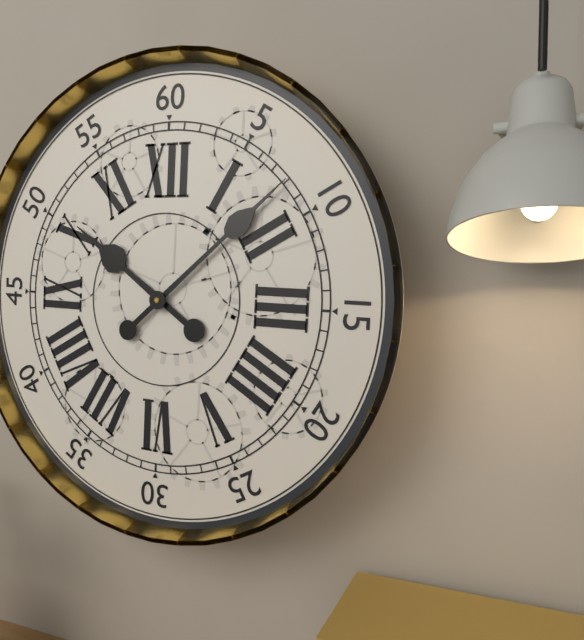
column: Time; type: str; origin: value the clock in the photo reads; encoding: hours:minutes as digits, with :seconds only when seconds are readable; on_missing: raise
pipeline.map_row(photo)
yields 10:08
